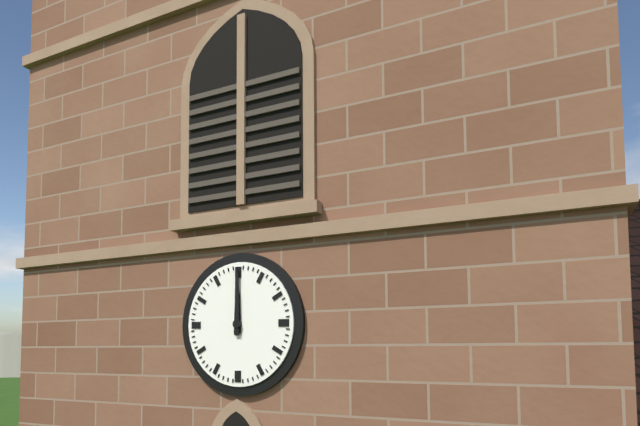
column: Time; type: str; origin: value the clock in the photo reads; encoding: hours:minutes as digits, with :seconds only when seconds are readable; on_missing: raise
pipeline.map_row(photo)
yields 12:00
